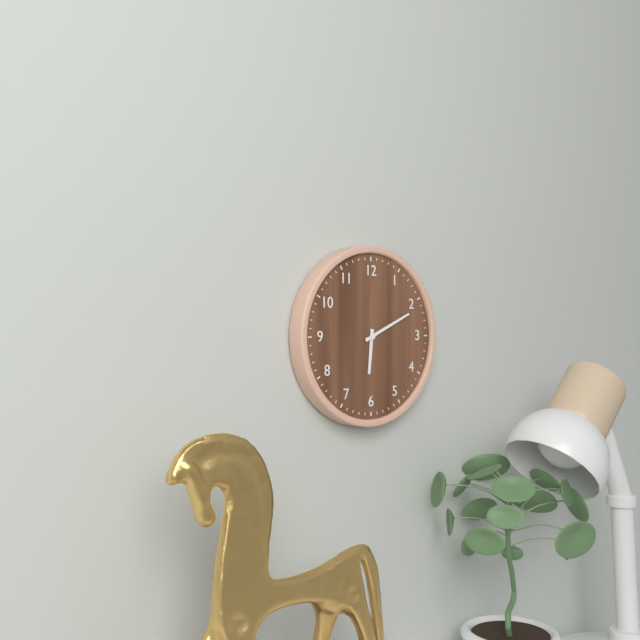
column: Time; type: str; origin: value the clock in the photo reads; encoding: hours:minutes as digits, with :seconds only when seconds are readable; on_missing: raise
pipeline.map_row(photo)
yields 6:11
